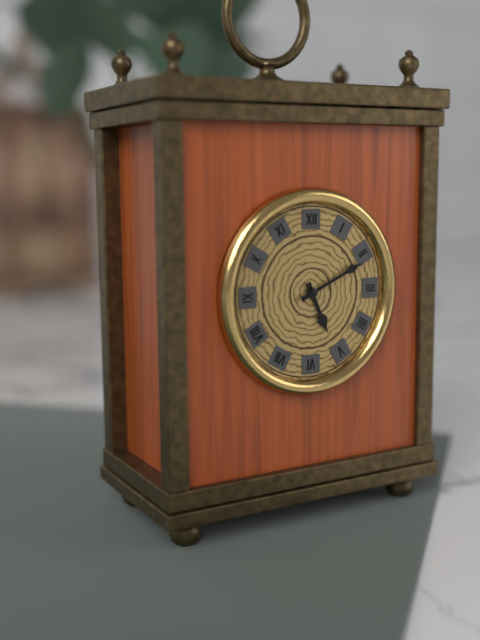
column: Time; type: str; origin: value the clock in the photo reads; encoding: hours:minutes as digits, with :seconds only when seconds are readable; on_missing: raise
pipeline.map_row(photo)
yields 5:11
